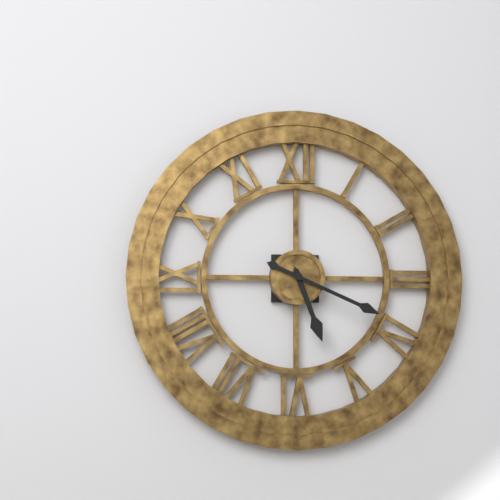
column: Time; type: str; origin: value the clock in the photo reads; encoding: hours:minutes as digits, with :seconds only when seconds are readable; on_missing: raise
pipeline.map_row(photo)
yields 5:19
